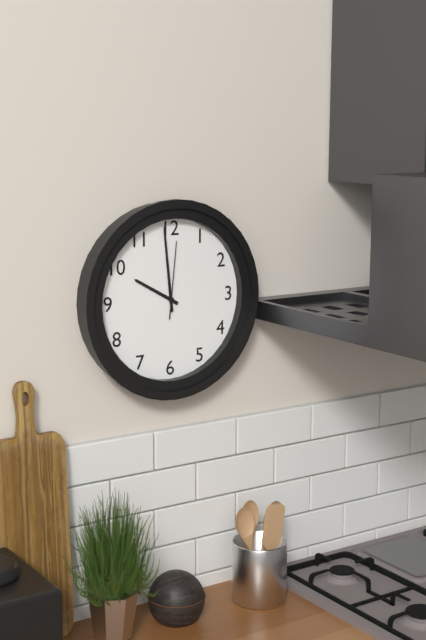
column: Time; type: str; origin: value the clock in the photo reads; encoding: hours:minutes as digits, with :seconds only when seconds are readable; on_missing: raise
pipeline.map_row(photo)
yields 9:59:01
